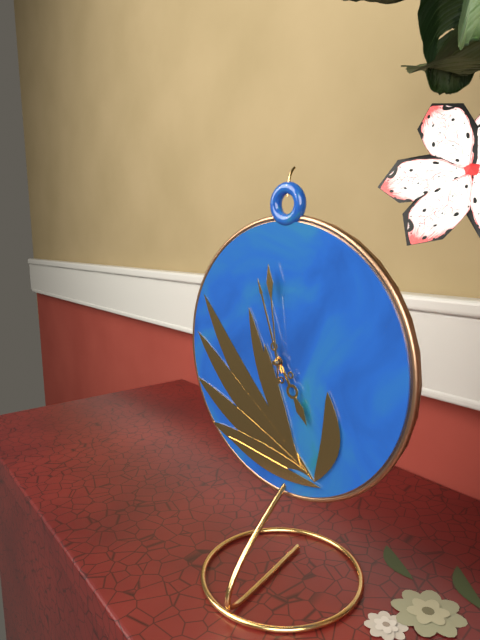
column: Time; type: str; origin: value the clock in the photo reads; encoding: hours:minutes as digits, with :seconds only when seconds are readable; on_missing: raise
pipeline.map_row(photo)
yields 4:57:59
